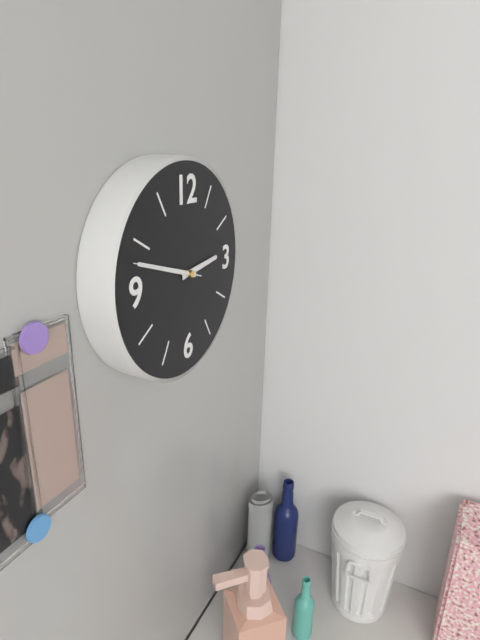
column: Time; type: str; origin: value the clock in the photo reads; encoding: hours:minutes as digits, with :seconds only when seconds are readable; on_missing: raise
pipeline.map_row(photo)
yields 2:48:48
